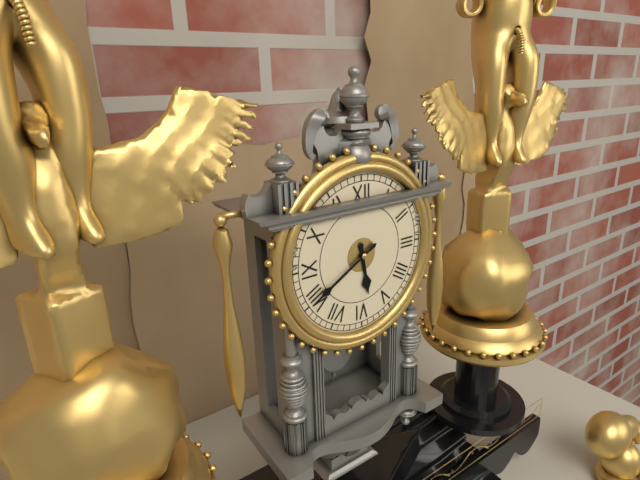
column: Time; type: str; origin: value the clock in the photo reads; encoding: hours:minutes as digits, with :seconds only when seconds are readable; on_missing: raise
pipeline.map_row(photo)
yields 5:40
